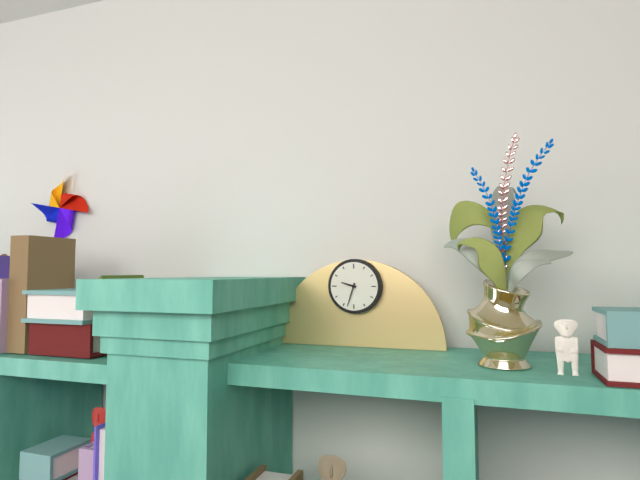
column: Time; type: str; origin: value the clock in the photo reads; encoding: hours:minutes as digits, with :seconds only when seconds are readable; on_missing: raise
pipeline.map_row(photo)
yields 9:33
